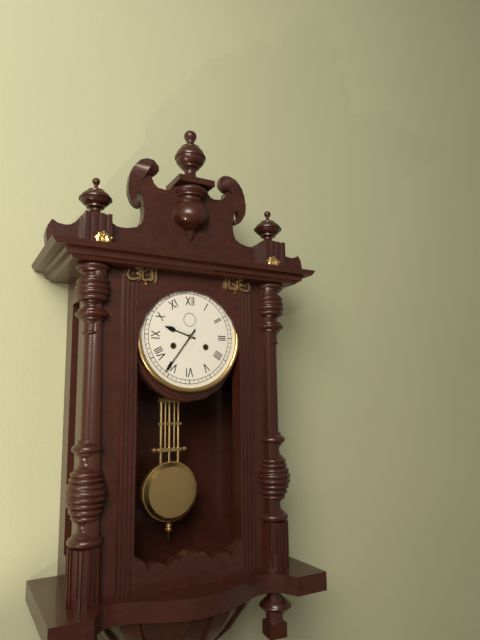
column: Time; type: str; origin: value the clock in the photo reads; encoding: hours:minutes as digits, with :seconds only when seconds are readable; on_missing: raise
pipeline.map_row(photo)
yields 9:36
